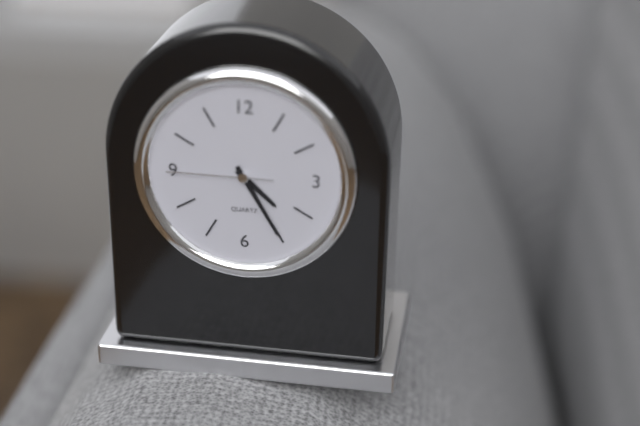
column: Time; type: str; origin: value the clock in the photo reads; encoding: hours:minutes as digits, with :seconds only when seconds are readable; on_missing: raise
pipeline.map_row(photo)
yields 4:25:45
